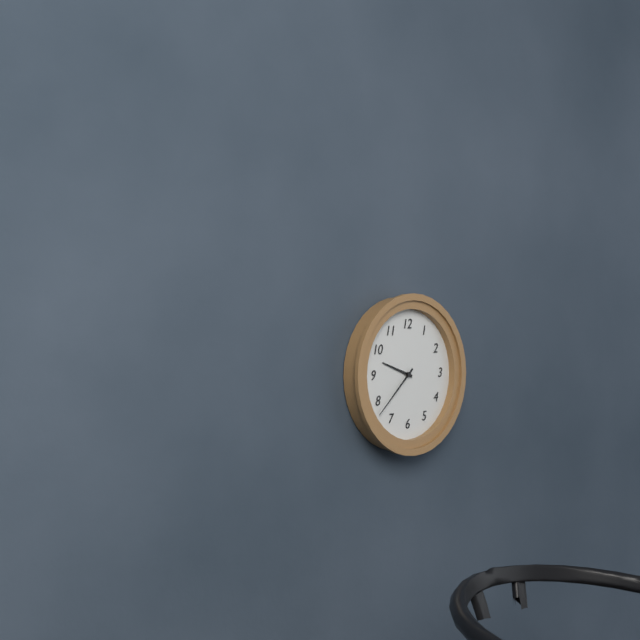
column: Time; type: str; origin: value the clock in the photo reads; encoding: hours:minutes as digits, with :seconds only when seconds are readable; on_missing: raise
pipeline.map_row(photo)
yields 9:38
